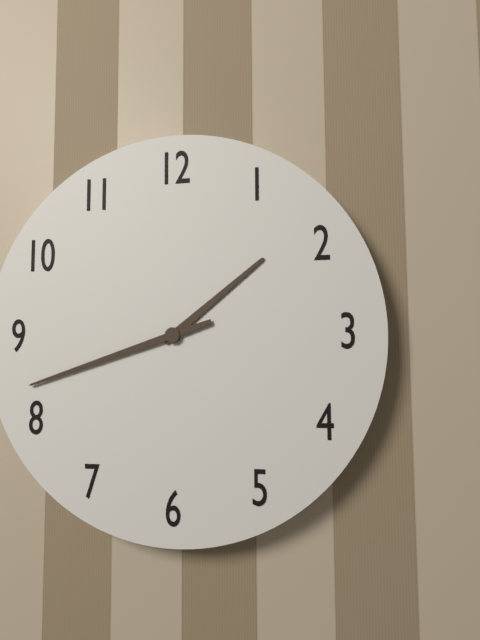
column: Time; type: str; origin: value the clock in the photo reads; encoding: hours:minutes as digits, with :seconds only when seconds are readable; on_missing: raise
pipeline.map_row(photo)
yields 1:42
